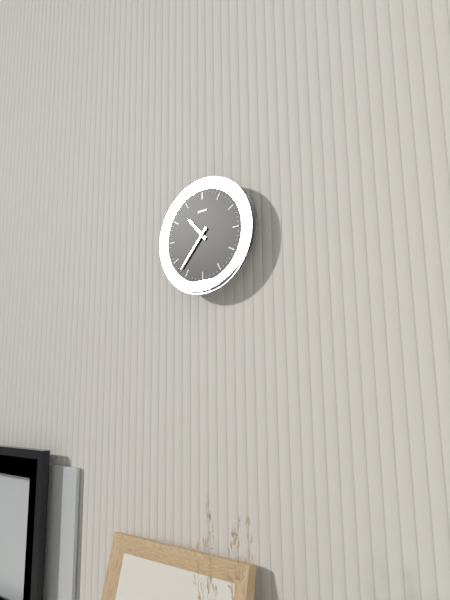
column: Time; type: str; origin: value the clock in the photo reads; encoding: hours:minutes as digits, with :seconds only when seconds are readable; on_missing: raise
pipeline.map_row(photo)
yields 10:37
